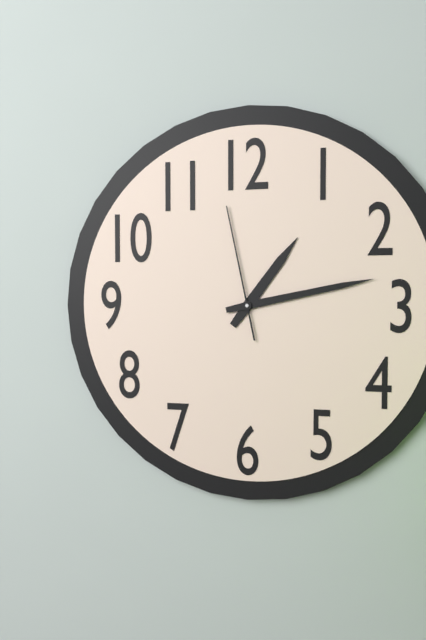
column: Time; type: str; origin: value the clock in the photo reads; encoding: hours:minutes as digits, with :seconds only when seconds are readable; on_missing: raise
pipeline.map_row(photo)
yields 1:13:58
